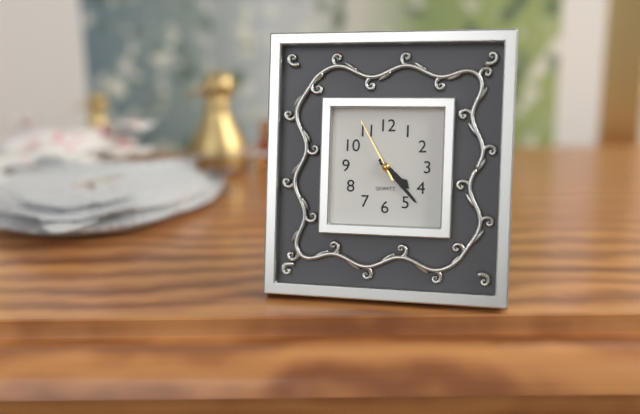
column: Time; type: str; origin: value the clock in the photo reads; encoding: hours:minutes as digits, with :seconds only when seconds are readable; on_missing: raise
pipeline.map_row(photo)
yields 4:23:55
